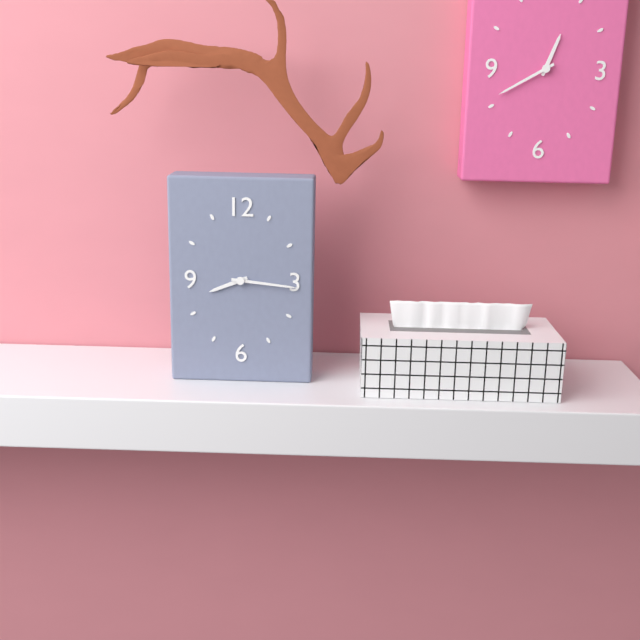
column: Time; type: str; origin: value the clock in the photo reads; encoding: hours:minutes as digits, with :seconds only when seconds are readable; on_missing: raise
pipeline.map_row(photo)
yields 8:16
